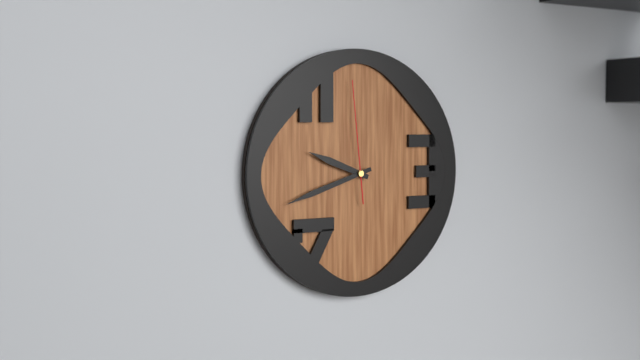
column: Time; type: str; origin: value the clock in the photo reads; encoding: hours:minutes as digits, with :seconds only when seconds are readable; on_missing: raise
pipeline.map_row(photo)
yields 9:42:59
